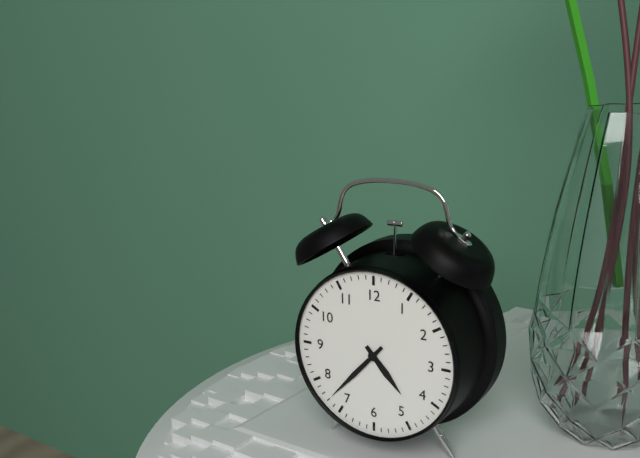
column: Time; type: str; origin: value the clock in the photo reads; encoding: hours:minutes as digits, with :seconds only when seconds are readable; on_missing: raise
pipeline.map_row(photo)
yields 4:37
